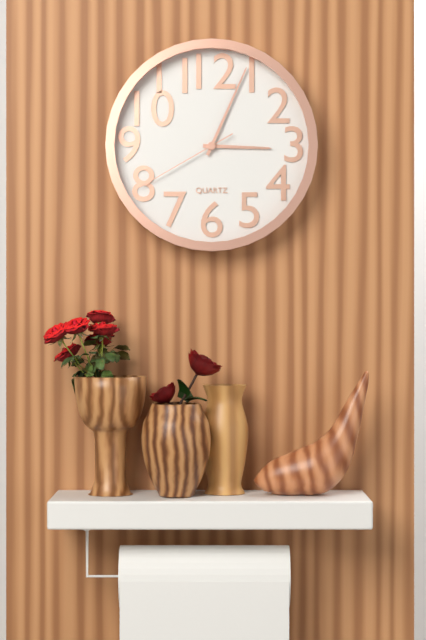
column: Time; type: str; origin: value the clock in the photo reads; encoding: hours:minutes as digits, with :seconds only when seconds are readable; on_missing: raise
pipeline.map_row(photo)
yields 3:04:40
